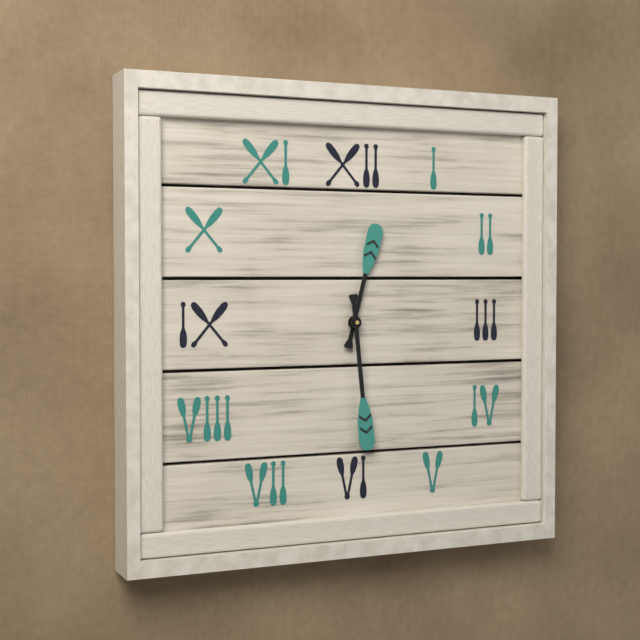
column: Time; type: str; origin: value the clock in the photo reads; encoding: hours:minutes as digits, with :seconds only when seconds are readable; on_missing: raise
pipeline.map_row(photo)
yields 12:29
